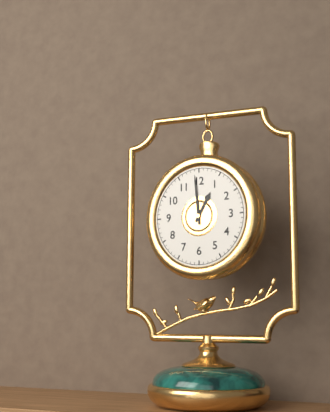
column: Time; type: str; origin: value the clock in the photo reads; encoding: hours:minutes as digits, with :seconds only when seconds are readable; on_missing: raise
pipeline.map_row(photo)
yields 12:59
